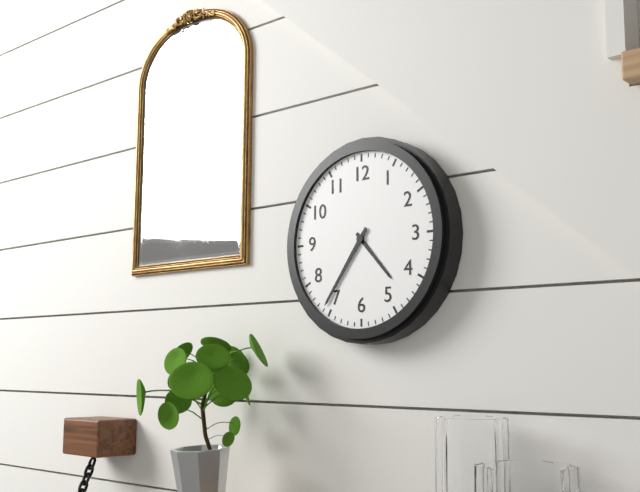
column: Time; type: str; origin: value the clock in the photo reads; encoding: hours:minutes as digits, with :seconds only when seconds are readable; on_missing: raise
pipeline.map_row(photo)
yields 4:36
